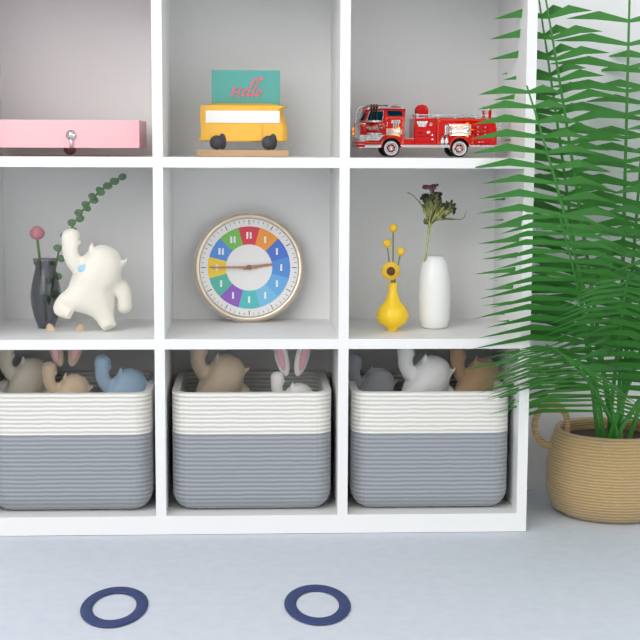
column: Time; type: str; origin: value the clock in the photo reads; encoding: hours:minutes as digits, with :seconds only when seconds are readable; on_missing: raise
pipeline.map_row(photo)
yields 2:45
